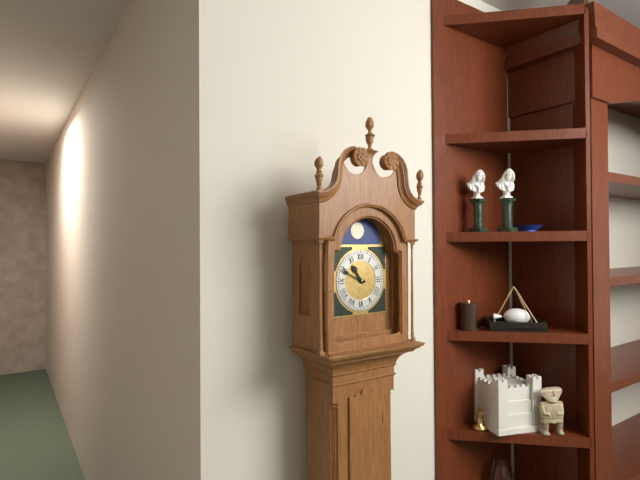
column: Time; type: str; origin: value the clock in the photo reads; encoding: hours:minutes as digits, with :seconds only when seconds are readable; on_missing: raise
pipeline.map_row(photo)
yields 10:49
